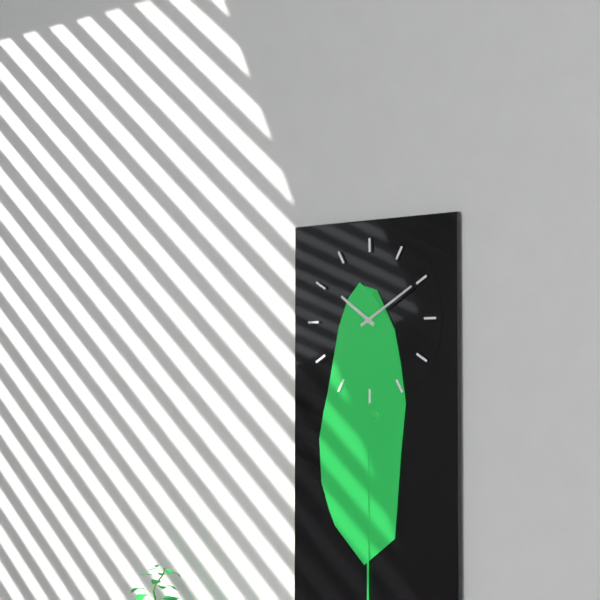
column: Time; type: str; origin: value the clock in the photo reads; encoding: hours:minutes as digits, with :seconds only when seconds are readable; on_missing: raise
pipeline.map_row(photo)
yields 10:10
